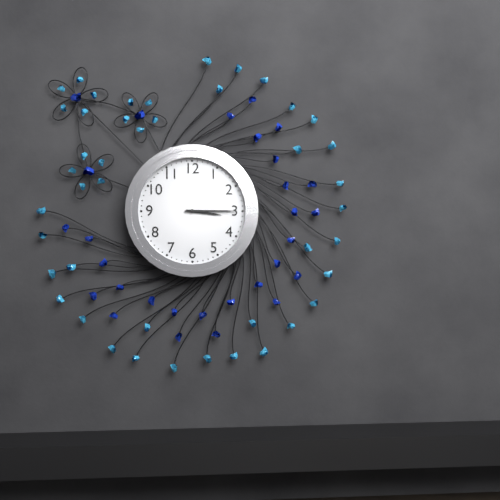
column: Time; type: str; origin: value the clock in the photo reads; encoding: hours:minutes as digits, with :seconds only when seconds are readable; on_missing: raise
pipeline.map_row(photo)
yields 3:15
